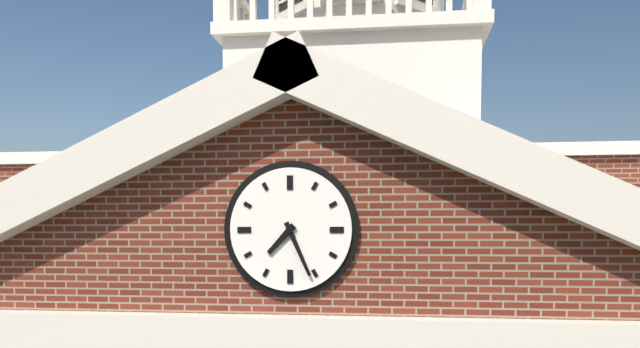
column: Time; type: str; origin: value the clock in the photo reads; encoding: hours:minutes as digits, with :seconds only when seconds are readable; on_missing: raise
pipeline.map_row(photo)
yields 7:26
